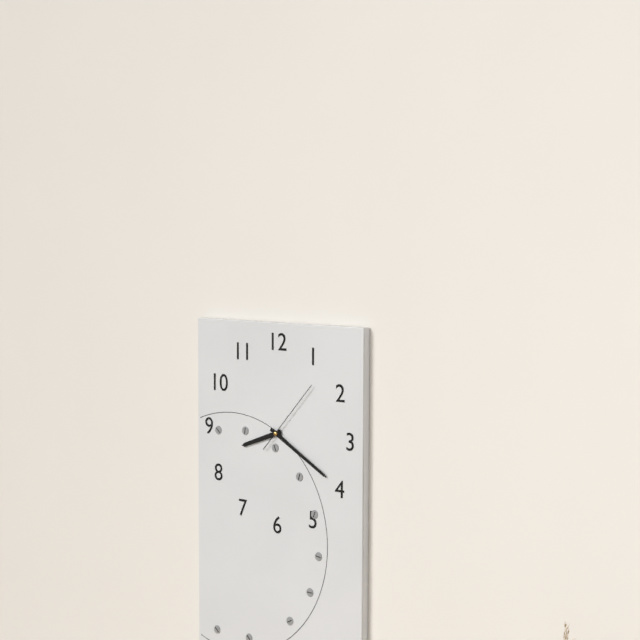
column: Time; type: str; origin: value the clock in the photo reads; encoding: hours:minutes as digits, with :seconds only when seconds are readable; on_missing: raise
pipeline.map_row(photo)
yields 8:20:07
